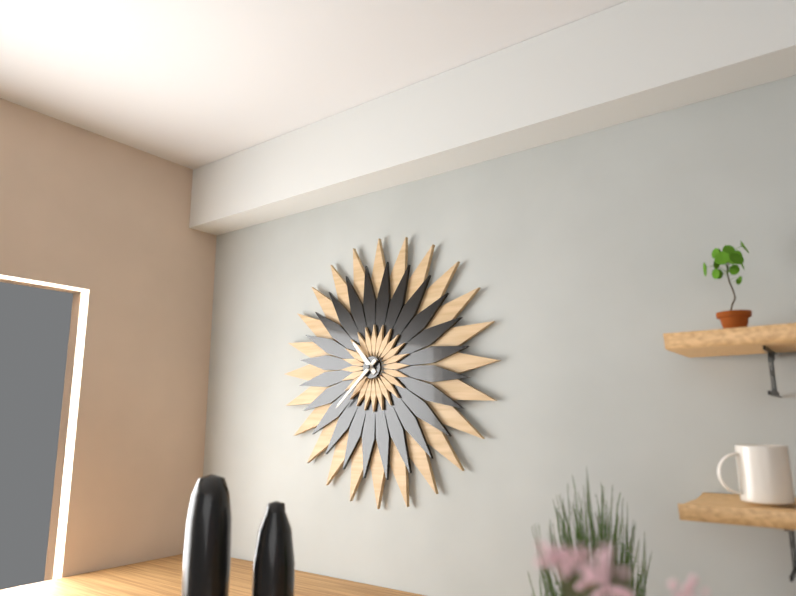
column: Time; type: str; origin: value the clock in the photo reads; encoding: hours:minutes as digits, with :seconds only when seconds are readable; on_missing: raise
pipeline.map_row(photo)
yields 10:38
